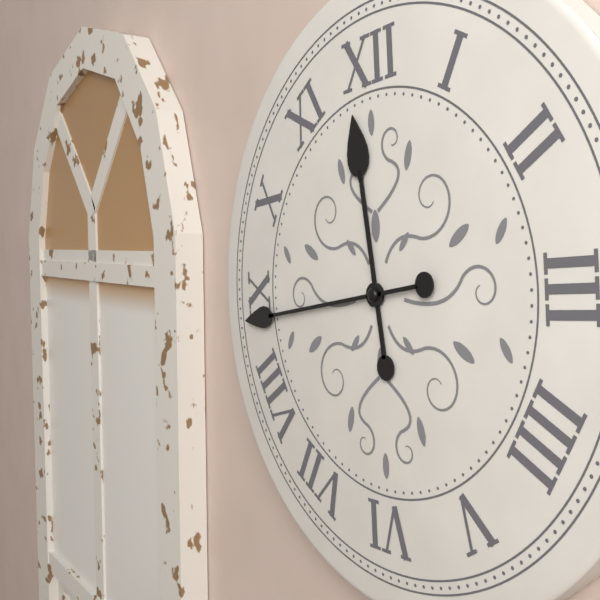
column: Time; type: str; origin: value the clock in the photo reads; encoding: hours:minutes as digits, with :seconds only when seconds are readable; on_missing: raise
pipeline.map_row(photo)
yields 11:44
